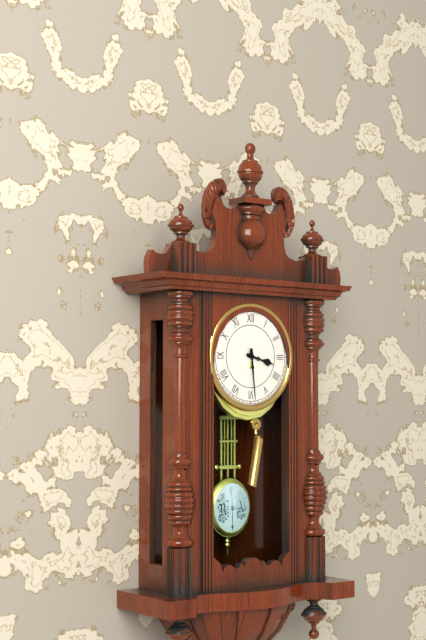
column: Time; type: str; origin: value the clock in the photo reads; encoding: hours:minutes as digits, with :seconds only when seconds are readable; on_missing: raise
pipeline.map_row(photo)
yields 3:29
